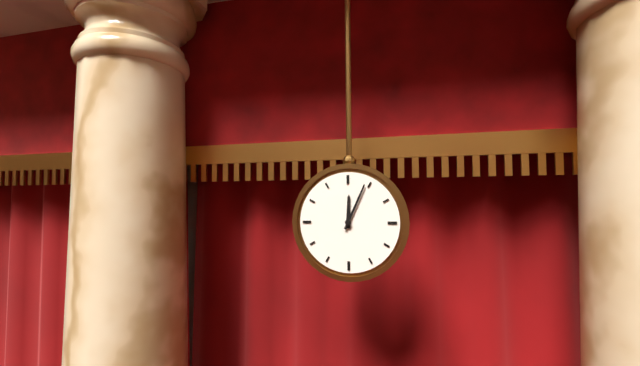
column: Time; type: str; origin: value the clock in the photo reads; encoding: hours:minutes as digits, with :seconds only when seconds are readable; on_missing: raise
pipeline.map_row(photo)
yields 12:04
